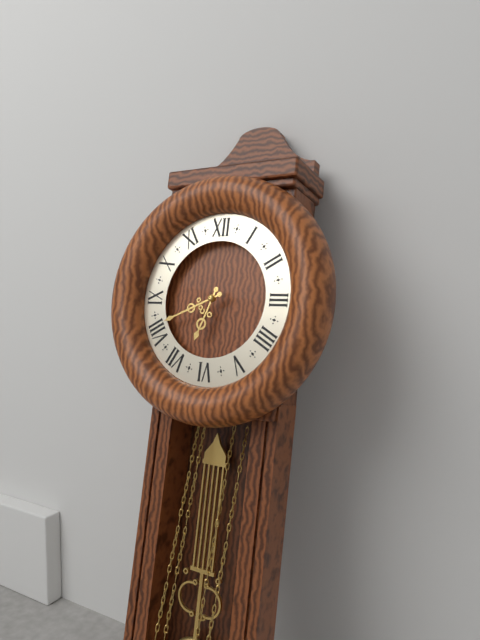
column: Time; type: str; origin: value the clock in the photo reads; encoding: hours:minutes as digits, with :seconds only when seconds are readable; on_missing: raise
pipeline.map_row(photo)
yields 6:41
